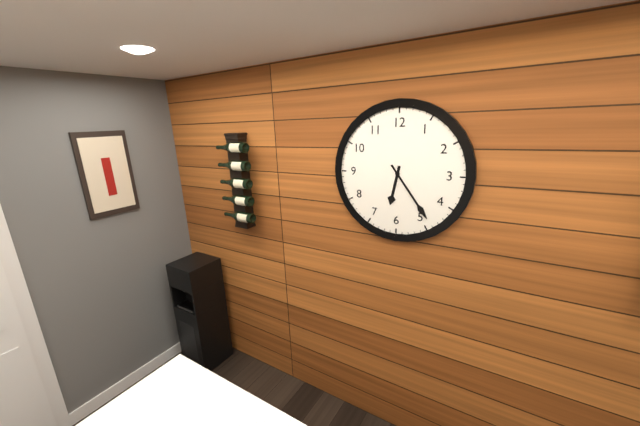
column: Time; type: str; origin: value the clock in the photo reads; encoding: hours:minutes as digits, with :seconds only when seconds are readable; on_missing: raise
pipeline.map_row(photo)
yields 6:24
